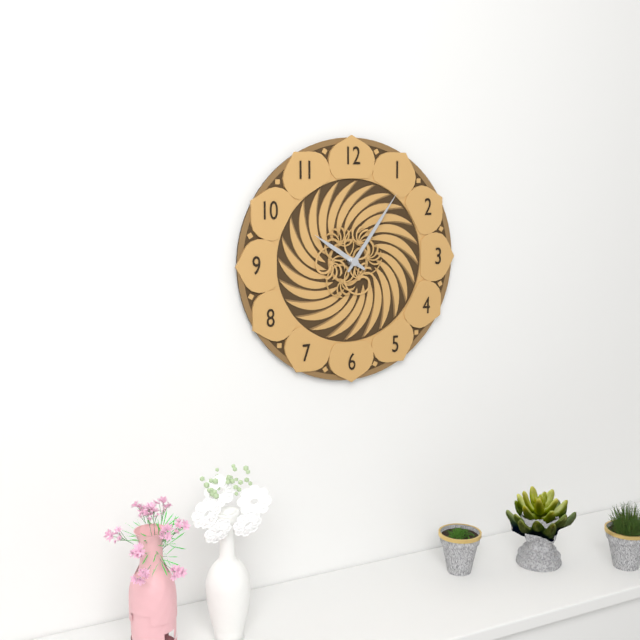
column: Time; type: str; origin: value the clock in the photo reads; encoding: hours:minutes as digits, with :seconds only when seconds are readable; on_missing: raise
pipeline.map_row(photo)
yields 10:06
